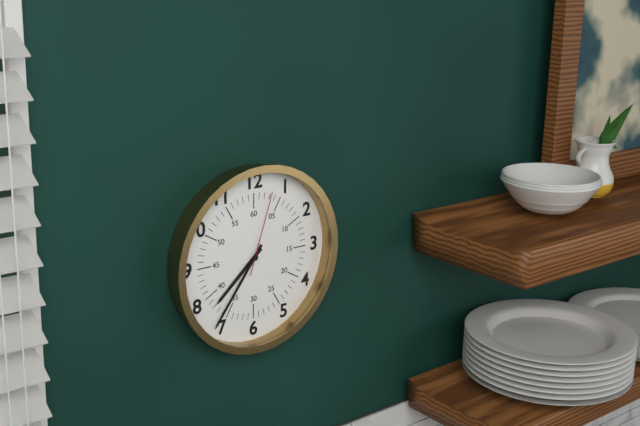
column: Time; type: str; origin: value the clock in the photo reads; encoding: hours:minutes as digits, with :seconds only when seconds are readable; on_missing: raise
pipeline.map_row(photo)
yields 7:36:03
